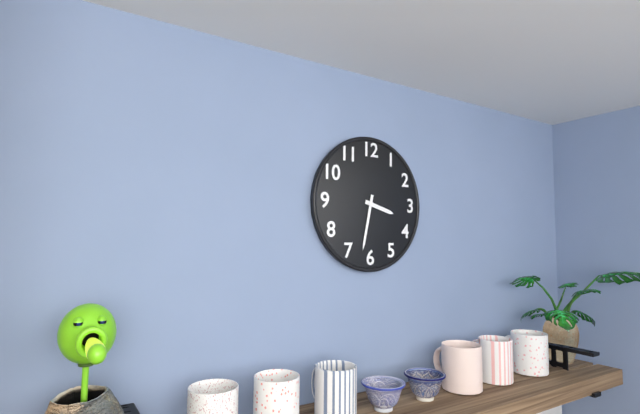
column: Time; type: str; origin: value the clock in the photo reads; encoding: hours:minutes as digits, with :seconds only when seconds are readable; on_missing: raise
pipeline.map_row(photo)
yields 3:32
